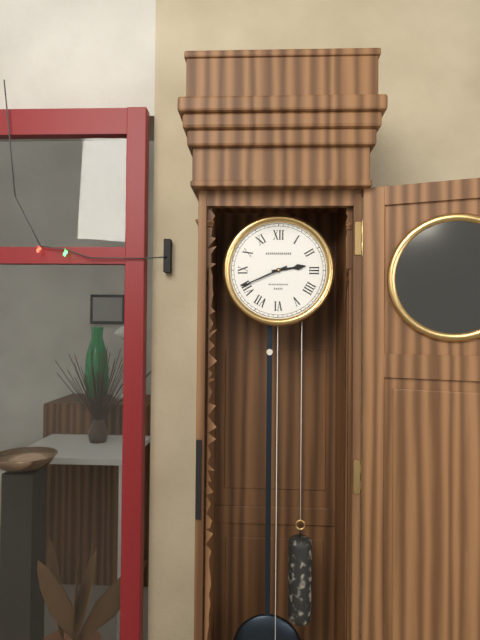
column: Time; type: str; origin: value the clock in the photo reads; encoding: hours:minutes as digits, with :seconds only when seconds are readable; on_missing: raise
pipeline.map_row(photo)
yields 2:41
